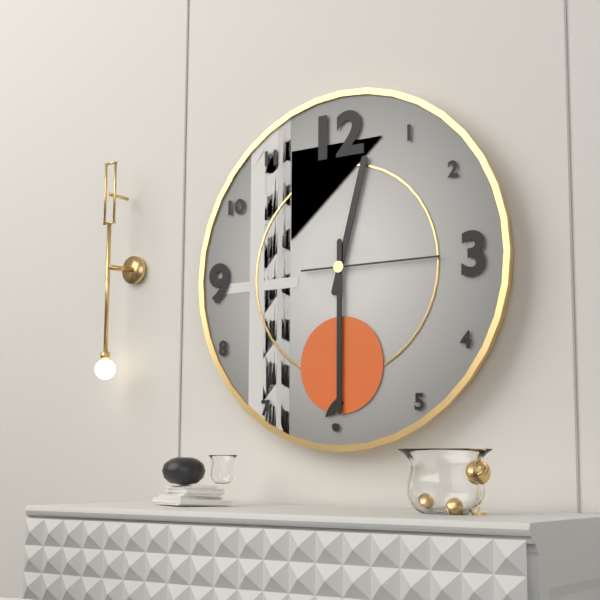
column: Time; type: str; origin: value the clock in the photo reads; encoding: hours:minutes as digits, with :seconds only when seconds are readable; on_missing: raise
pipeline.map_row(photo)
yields 12:30:15
